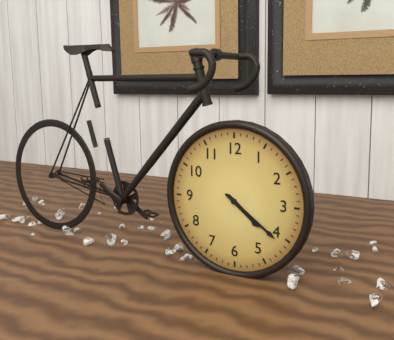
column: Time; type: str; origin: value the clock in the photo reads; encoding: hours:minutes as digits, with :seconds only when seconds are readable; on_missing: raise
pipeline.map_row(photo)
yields 4:21
